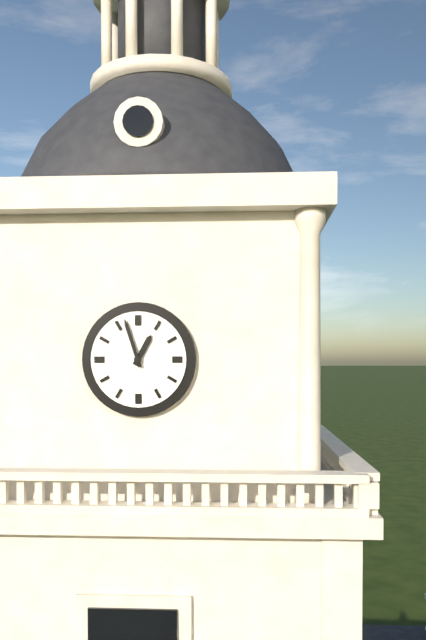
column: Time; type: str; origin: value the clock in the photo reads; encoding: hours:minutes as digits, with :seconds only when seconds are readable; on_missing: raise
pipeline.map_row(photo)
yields 12:57
